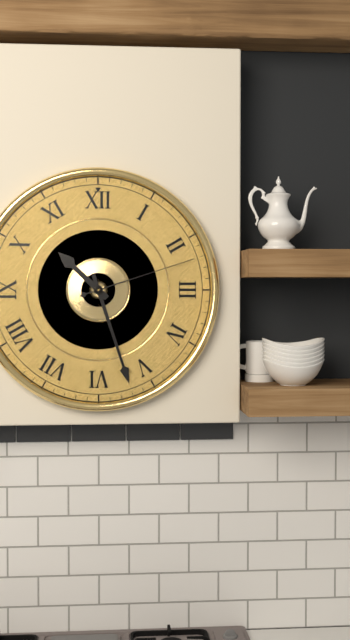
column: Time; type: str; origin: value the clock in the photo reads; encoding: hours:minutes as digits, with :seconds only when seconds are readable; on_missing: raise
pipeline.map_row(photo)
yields 10:27:12
